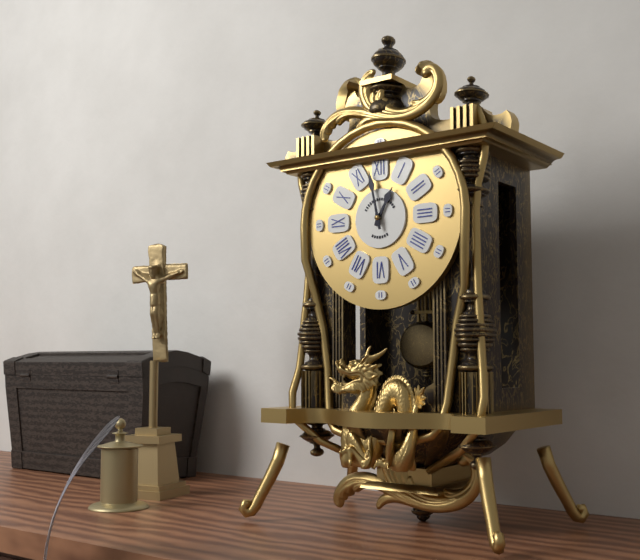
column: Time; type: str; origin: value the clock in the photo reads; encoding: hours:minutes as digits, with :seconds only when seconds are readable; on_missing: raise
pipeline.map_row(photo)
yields 12:58
